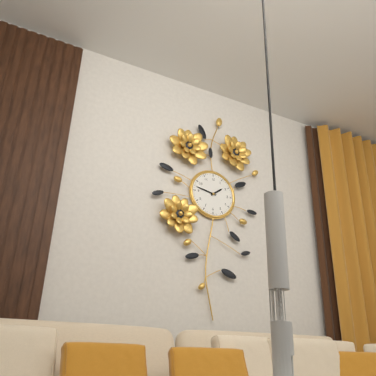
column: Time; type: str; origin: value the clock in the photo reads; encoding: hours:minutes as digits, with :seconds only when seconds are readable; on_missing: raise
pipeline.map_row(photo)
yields 1:47
